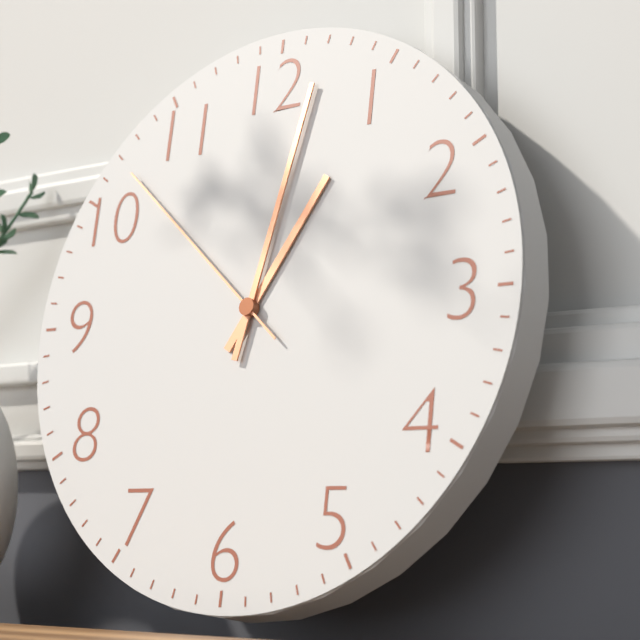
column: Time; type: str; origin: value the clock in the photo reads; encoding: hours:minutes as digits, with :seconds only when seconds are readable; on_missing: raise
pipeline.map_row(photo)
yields 1:02:52
